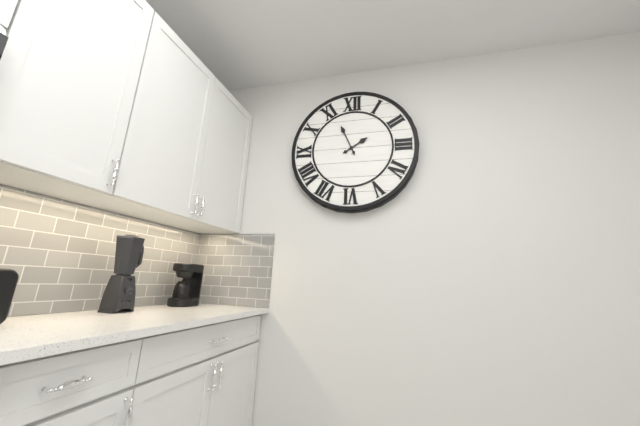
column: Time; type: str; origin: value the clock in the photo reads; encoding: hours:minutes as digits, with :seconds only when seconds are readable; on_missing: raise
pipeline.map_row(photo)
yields 1:56
